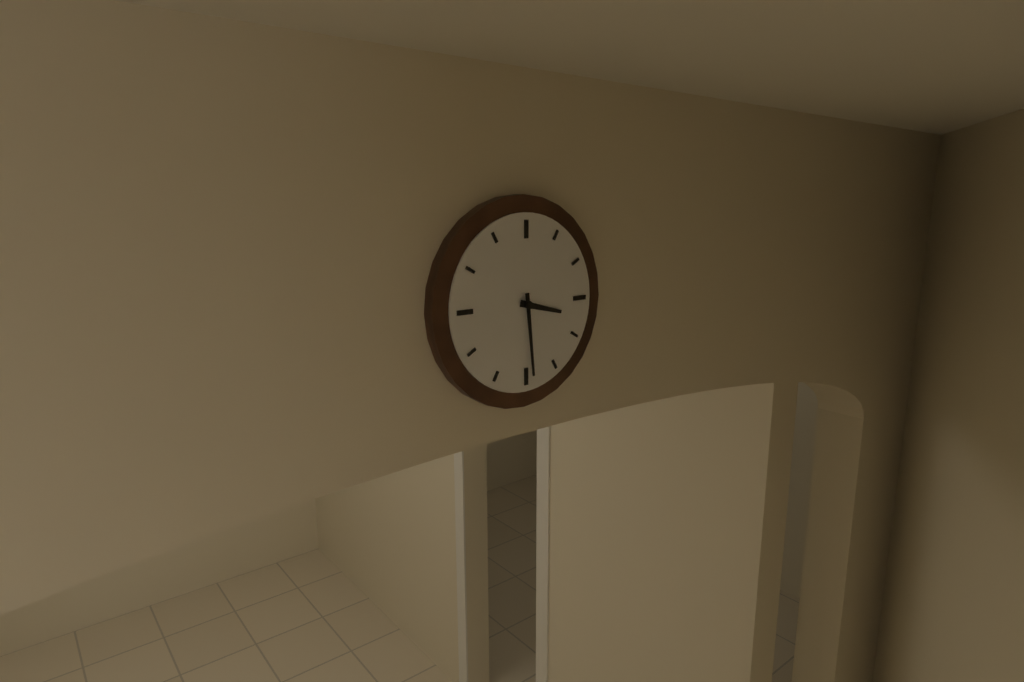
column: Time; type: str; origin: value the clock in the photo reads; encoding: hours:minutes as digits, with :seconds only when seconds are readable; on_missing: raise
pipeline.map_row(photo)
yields 3:29
